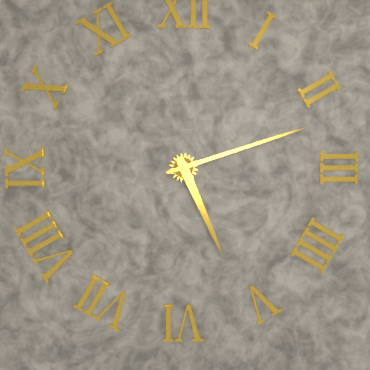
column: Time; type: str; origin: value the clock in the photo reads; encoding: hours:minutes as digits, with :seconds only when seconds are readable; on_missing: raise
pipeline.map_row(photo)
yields 5:12
